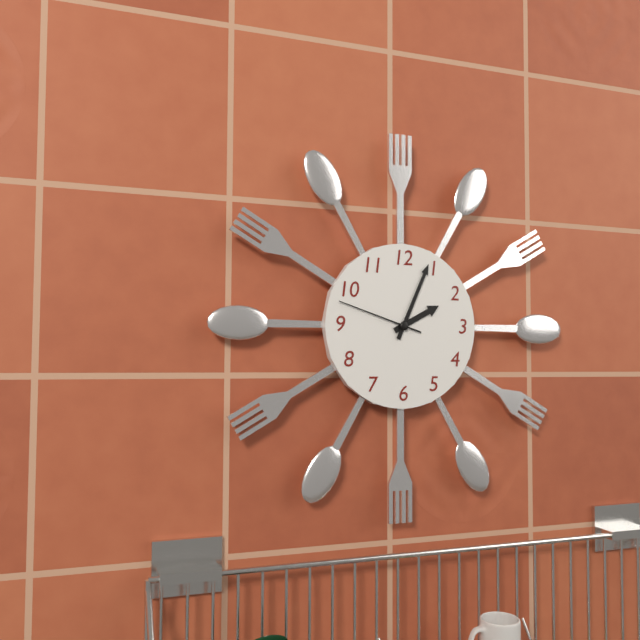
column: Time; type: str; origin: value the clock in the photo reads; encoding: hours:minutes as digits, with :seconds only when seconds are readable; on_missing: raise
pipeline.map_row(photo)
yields 2:04:48
